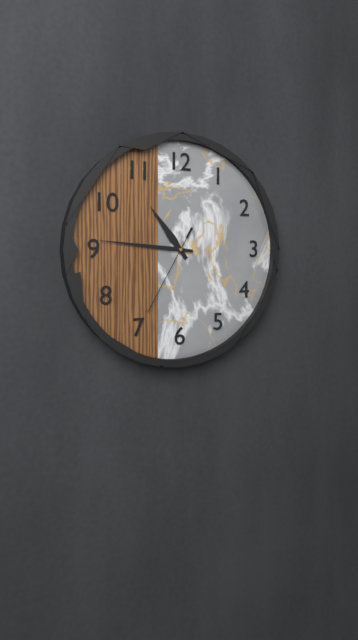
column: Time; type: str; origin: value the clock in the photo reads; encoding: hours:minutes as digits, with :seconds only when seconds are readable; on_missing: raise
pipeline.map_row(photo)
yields 10:46:35
